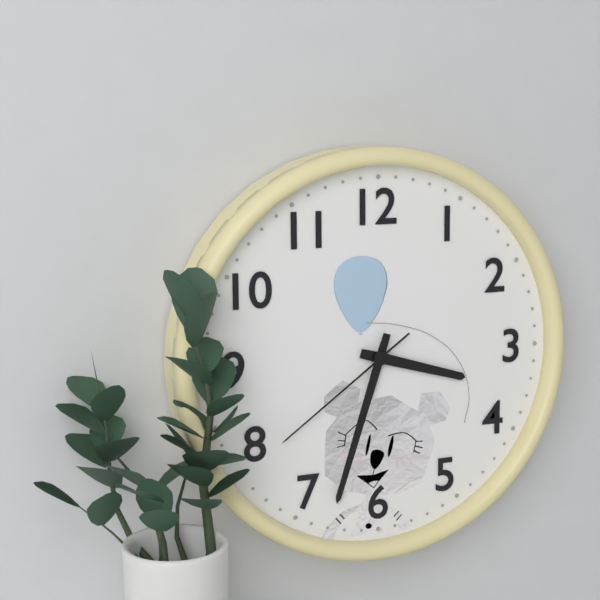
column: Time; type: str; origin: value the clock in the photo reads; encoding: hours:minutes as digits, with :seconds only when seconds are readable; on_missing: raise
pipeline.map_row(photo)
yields 3:33:39
